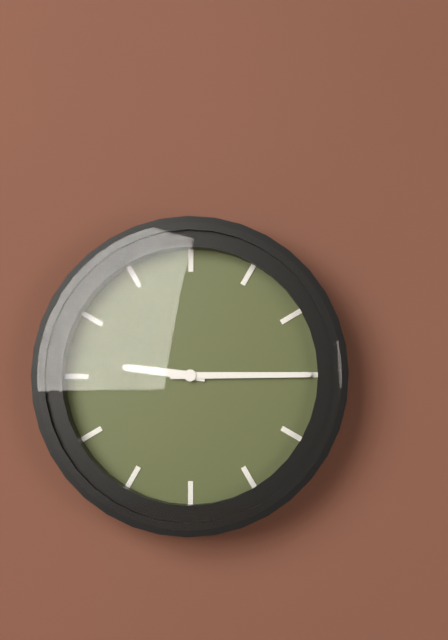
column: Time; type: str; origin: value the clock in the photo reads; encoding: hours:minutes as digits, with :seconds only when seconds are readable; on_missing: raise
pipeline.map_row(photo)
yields 9:15
